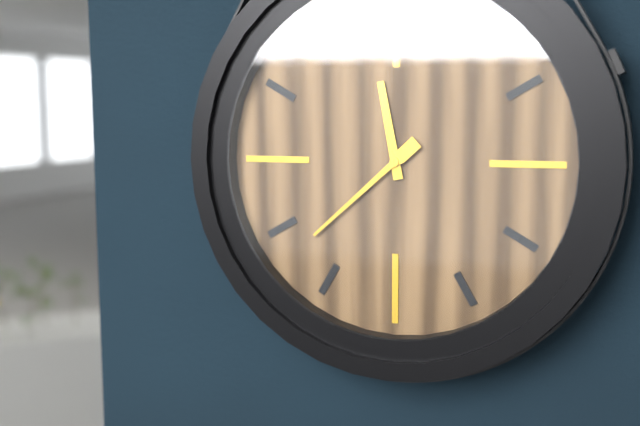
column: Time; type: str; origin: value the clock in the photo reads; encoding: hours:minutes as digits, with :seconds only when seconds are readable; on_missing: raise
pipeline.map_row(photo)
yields 11:38
